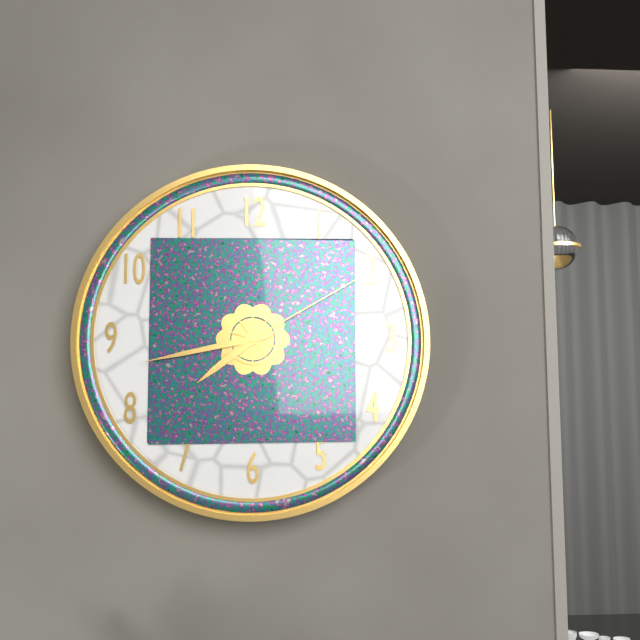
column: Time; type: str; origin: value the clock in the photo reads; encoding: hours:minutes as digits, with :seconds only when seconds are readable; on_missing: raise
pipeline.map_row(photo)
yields 7:43:10
